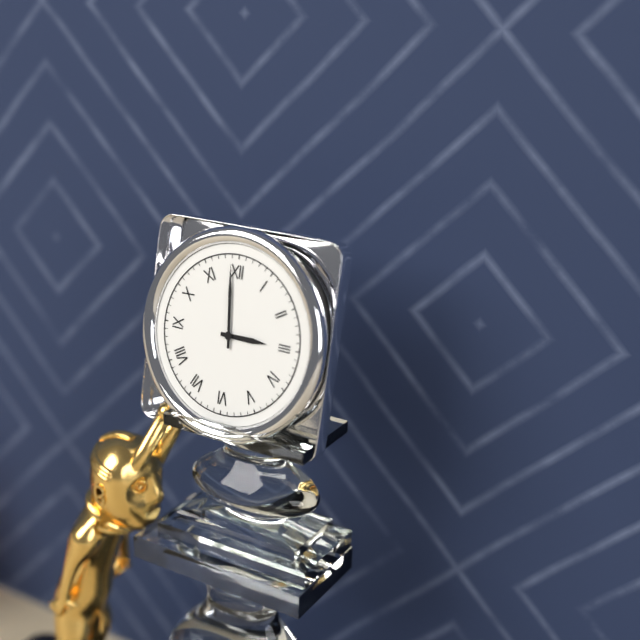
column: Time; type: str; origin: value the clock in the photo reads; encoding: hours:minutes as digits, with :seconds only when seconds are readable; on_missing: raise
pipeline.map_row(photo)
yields 2:59
